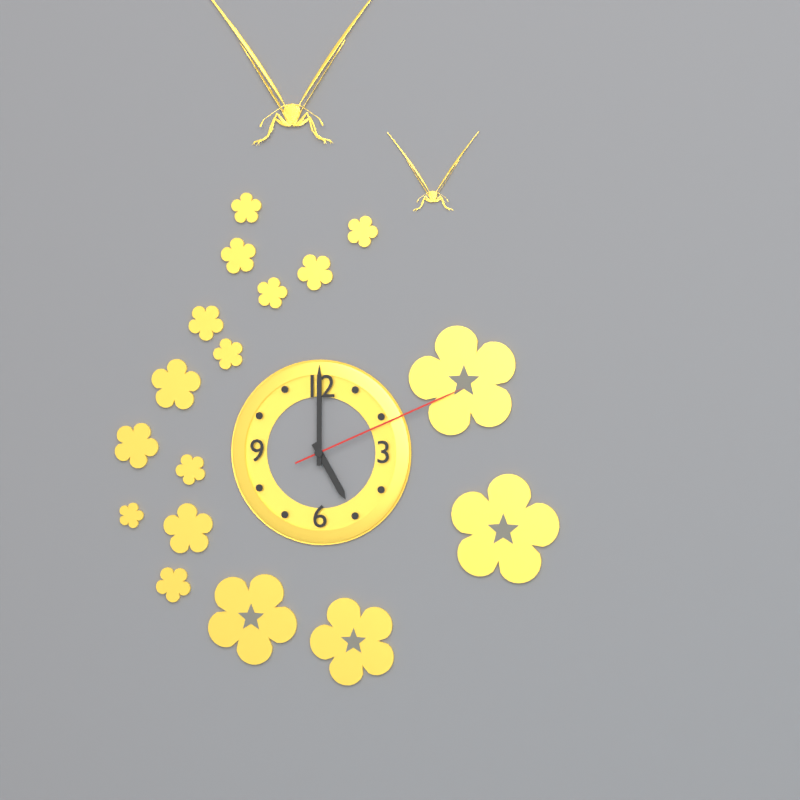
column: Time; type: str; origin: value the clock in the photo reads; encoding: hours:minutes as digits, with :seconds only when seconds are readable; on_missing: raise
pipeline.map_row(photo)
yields 5:00:11
